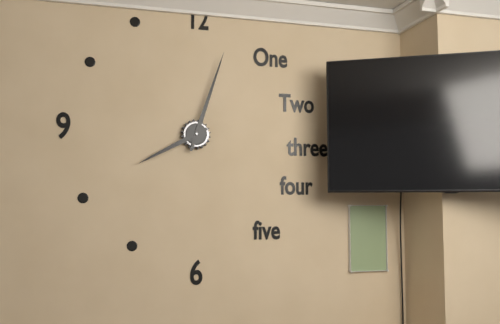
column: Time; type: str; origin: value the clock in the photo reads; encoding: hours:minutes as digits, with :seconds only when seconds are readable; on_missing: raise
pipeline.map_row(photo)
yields 8:03
